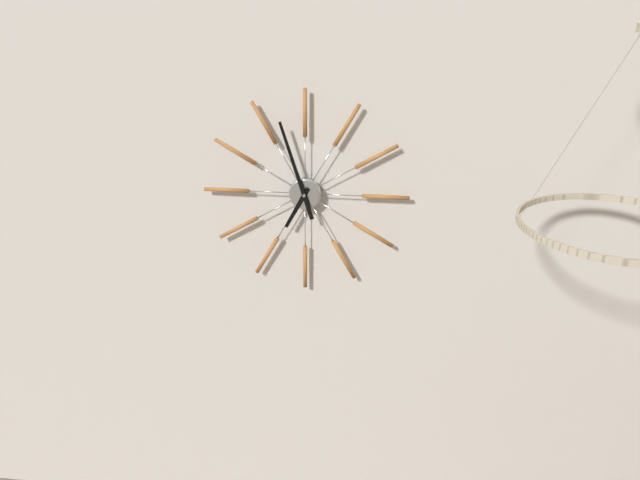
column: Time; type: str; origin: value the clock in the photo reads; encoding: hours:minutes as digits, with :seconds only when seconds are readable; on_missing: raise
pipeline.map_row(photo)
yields 6:57
